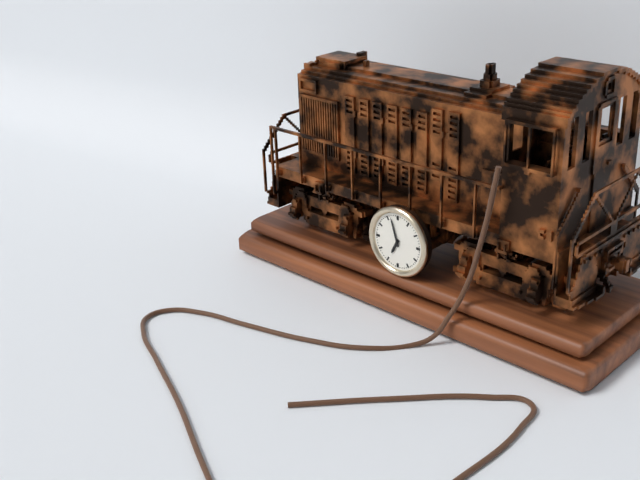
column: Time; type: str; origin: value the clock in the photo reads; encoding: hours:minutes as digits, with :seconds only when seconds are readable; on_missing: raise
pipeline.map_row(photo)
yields 6:57
